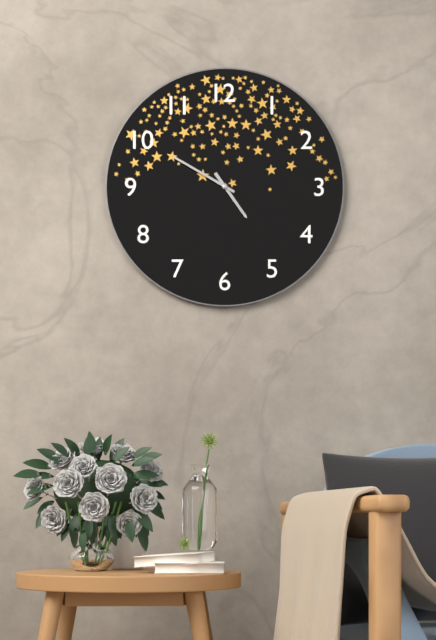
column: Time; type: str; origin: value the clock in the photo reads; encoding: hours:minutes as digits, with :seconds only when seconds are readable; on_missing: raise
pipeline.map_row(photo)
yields 4:50
